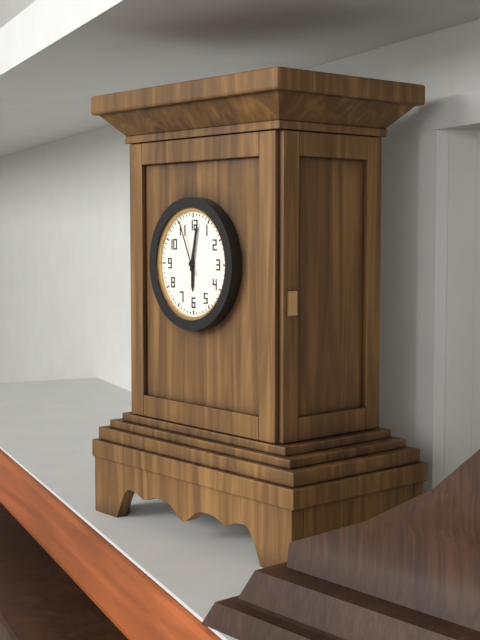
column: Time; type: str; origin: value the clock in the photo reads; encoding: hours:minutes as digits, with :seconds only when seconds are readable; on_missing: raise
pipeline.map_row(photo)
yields 6:02:56
